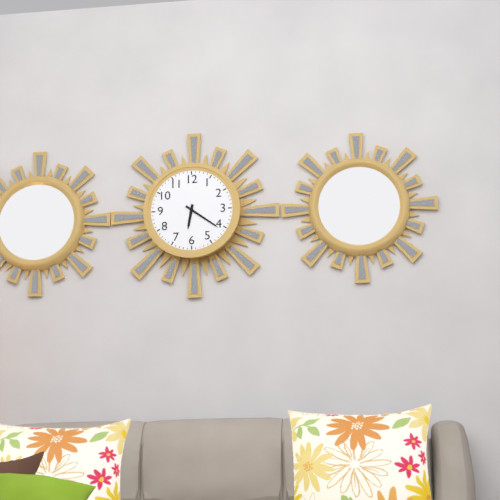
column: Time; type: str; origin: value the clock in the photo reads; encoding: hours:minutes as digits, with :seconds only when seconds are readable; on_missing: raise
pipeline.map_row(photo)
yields 6:21
